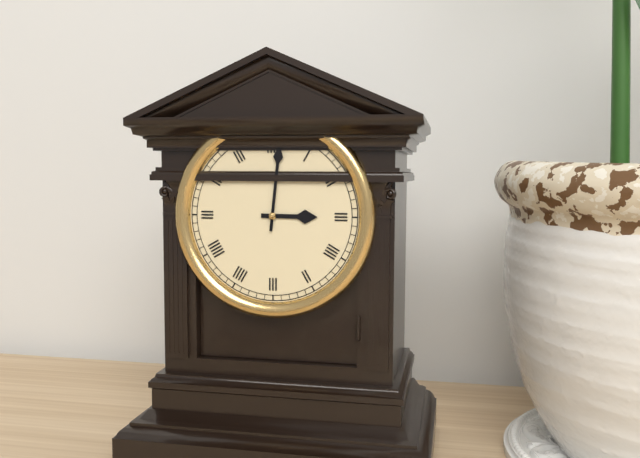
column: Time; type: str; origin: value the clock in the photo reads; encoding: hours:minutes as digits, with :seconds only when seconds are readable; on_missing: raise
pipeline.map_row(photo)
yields 3:01
